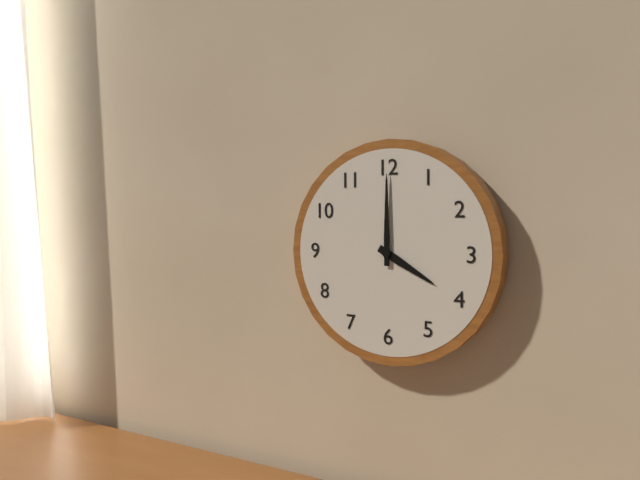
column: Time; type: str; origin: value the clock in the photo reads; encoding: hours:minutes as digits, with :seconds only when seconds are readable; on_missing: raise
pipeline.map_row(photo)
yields 4:00
